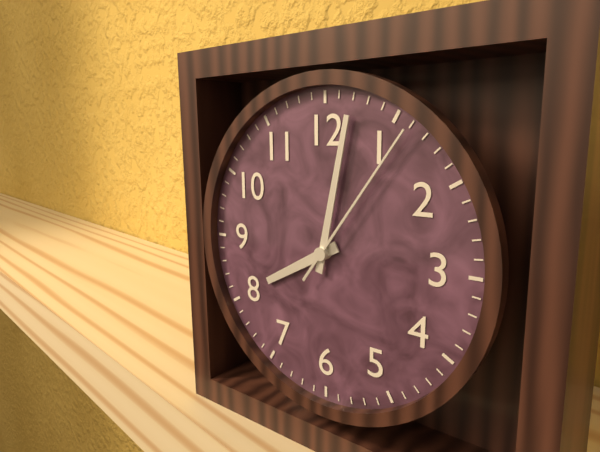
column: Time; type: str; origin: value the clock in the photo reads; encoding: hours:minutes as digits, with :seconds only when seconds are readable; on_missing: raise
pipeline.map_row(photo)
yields 8:02:06
